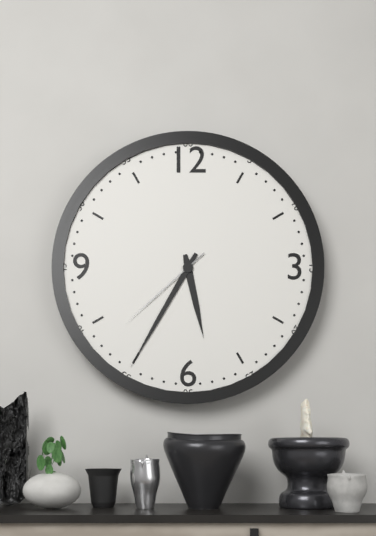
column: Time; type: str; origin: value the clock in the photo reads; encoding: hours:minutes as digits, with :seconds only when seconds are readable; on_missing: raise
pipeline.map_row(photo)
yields 5:35:38
